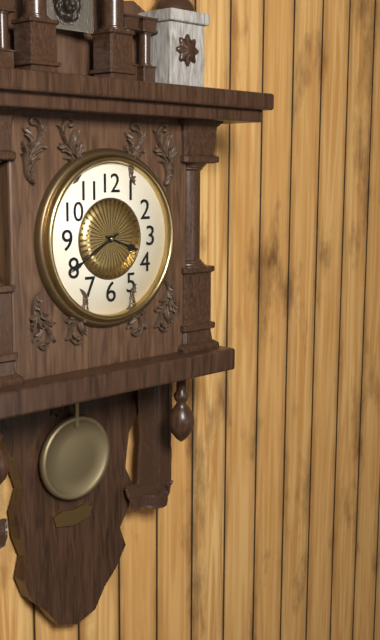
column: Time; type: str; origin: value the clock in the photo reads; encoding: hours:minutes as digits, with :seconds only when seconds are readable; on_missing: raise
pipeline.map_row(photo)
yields 3:40
